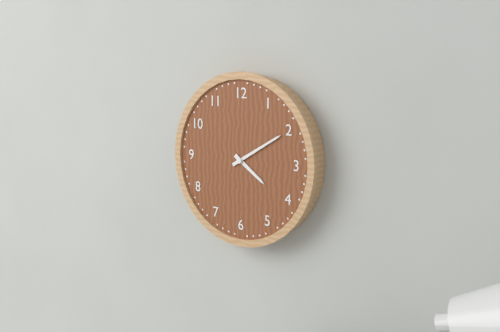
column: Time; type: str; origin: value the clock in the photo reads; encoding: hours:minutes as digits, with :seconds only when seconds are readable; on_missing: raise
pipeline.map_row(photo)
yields 4:10
